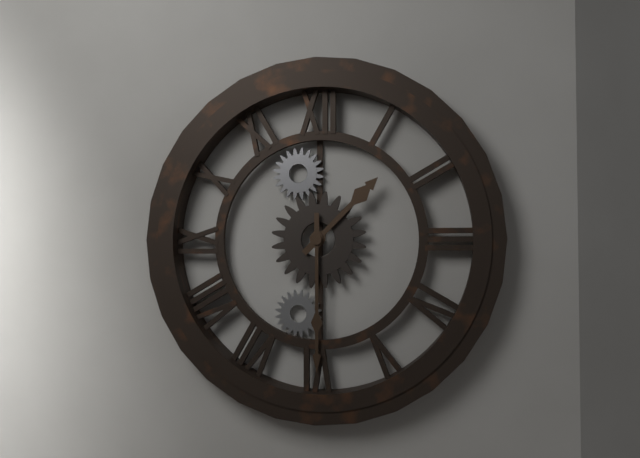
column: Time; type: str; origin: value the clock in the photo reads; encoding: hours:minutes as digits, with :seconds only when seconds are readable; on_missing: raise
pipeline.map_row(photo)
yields 1:30
